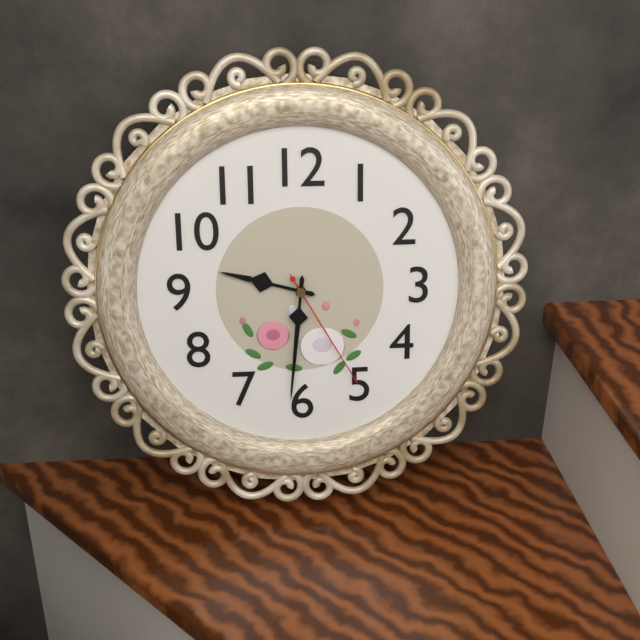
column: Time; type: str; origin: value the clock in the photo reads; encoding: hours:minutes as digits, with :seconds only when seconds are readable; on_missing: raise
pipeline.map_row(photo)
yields 9:31:25
